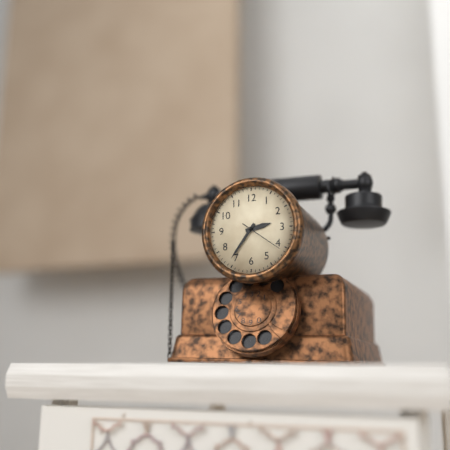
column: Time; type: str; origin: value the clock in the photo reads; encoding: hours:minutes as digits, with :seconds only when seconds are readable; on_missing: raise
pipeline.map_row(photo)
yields 2:36
